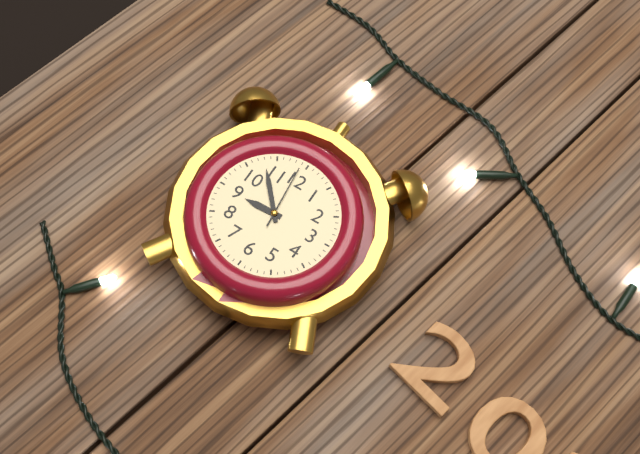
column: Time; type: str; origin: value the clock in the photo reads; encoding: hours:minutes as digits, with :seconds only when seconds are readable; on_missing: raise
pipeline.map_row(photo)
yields 8:53:59
